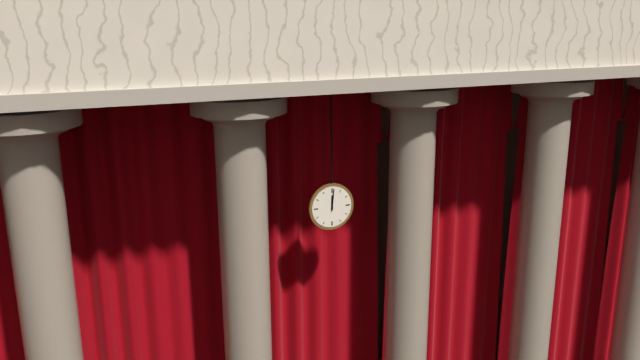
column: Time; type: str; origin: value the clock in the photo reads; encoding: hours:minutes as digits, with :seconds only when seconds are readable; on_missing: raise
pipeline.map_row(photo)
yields 12:01
